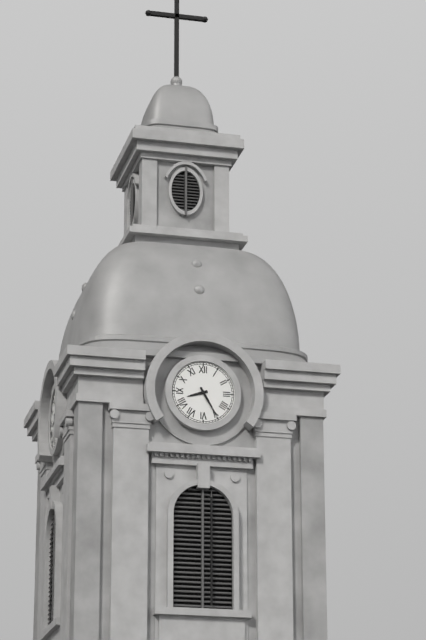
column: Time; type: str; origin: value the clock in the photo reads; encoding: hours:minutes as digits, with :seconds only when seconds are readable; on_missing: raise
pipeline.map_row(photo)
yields 8:25
